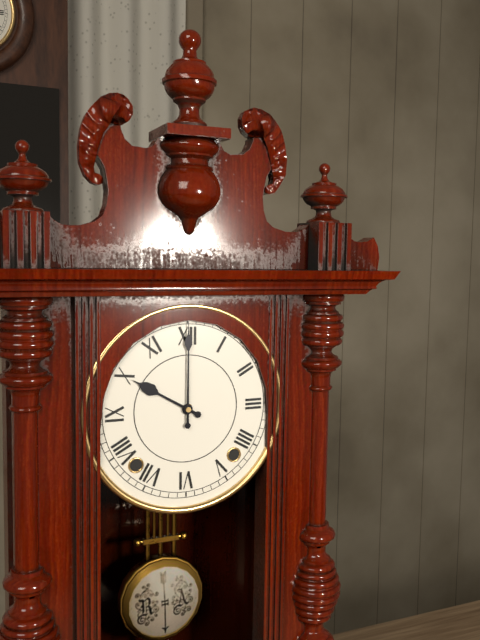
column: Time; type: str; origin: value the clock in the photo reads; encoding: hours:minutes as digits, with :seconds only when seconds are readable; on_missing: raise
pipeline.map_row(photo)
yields 10:00
